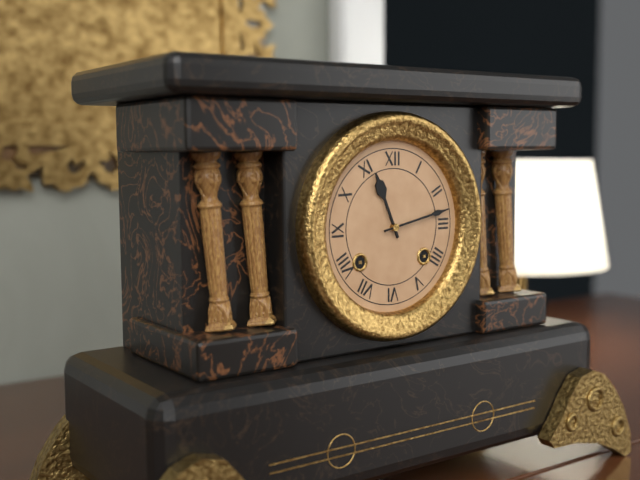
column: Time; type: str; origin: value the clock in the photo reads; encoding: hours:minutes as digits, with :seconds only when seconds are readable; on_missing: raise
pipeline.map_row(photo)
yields 11:13
